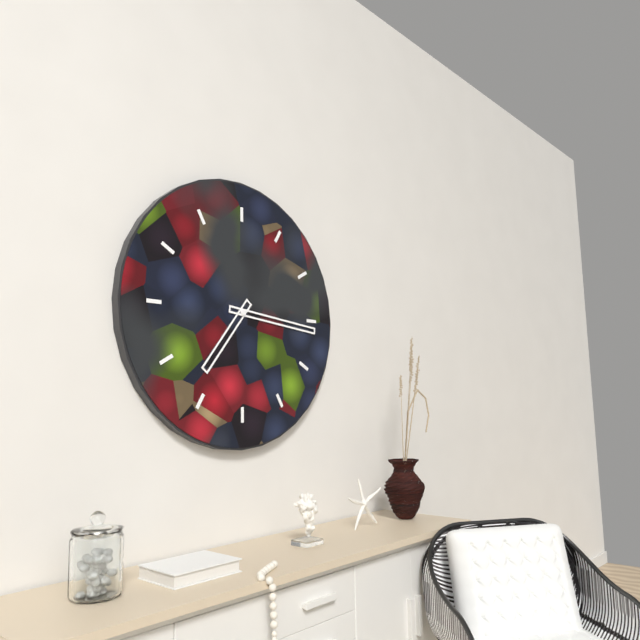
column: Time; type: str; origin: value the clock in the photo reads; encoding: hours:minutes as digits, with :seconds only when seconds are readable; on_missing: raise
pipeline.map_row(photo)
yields 7:16
